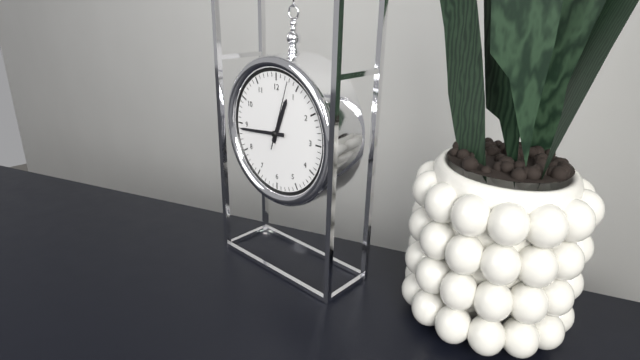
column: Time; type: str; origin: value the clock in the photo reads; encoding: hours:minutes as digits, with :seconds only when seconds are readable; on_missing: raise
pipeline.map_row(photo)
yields 12:44:03
